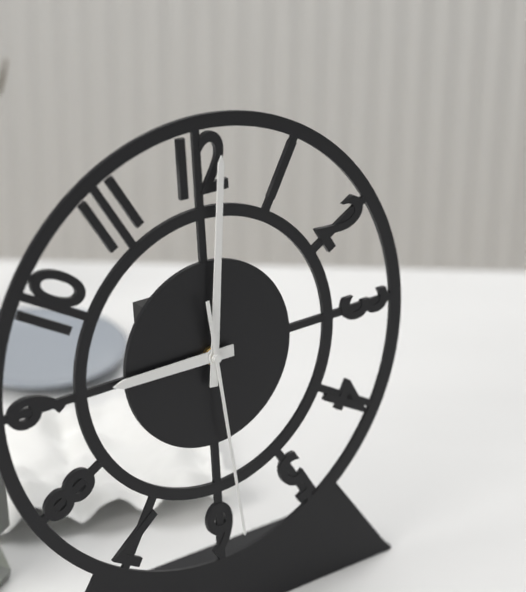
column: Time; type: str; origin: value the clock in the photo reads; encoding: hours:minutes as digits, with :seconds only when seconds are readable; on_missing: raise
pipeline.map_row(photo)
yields 9:01:29
